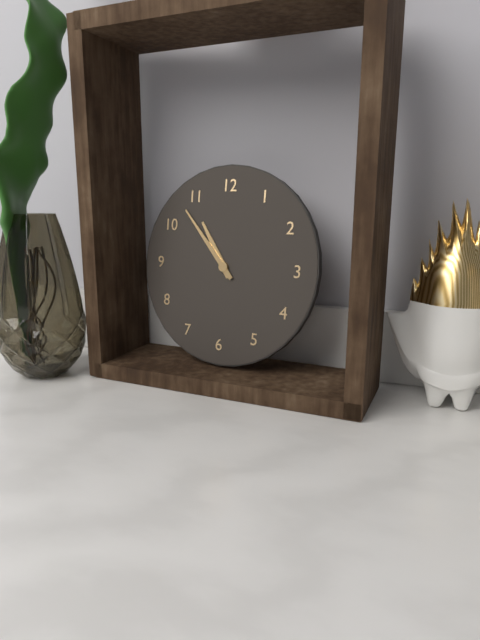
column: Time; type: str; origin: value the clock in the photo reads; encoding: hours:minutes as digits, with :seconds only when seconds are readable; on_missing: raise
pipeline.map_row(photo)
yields 10:53
